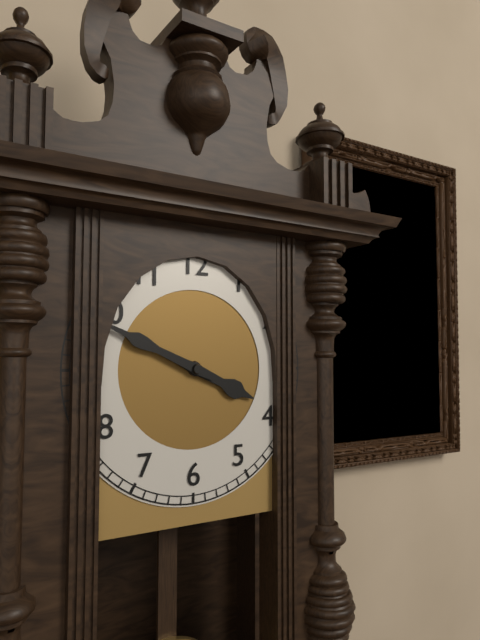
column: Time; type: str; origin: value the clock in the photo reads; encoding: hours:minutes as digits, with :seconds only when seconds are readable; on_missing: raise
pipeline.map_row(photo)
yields 3:49
